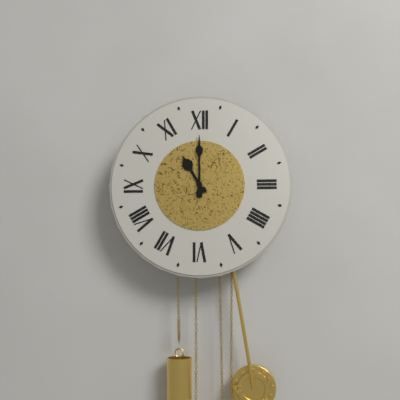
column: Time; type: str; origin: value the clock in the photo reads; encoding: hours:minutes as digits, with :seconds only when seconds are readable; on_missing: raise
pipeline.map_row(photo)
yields 11:00
